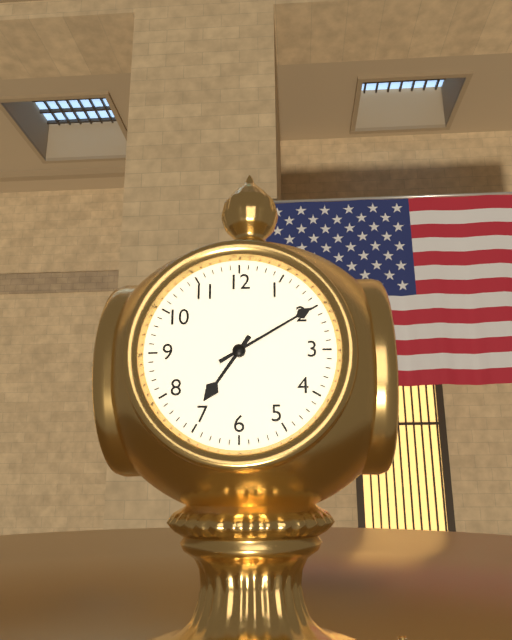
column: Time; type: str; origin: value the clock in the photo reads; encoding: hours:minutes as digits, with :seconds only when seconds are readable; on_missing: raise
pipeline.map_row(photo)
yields 7:10
